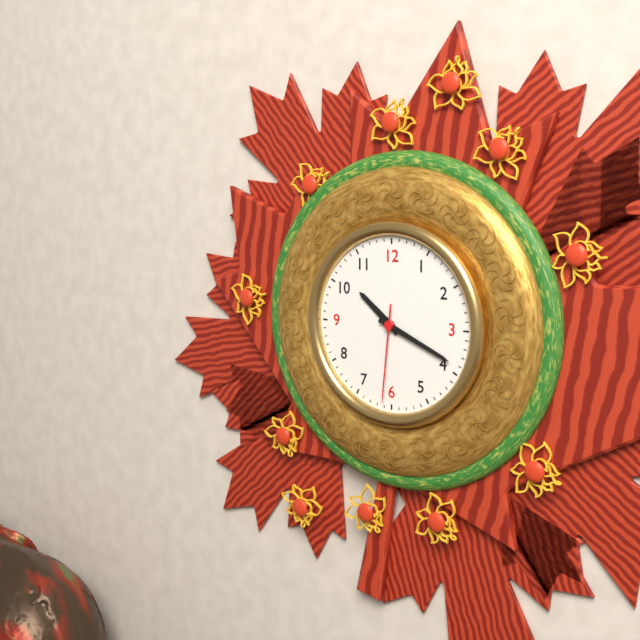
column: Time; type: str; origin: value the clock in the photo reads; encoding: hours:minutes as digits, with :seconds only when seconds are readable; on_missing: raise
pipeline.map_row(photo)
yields 10:19:31
